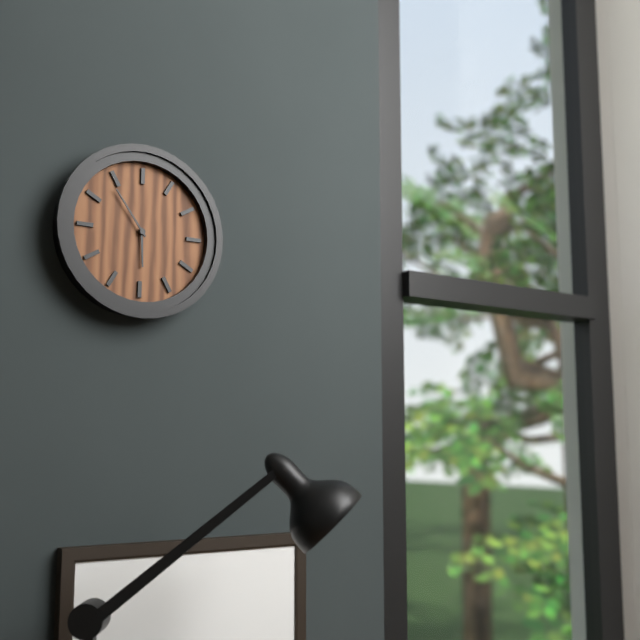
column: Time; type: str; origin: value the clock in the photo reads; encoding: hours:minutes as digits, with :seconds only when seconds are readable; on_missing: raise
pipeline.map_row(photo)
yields 5:54
